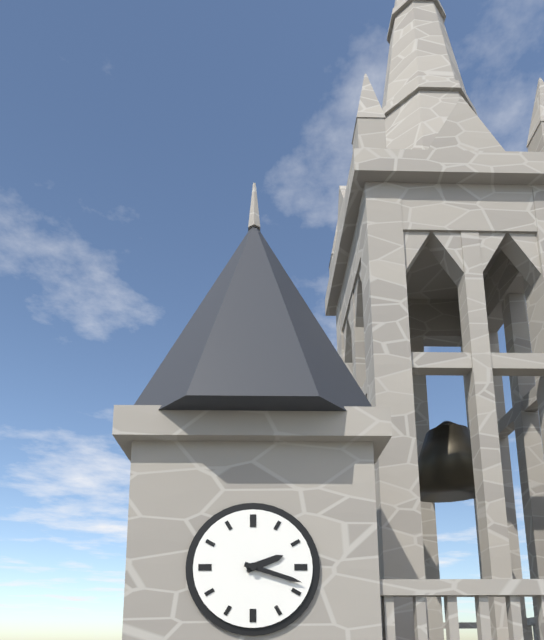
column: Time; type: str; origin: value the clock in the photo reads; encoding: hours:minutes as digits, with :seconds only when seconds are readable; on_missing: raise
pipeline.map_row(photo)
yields 2:18
